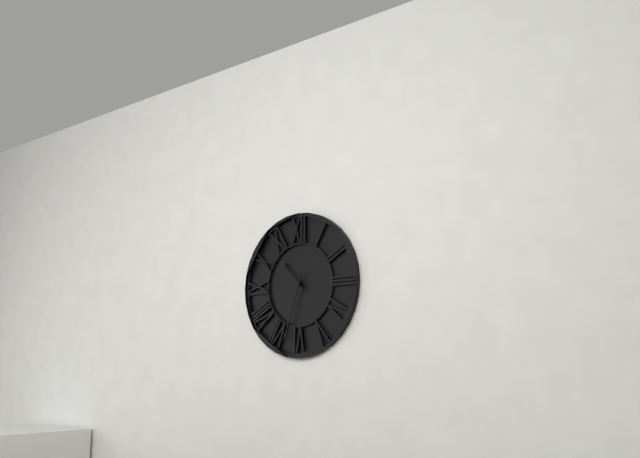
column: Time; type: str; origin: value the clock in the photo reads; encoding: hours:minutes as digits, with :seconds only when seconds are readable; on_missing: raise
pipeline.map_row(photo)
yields 10:33
